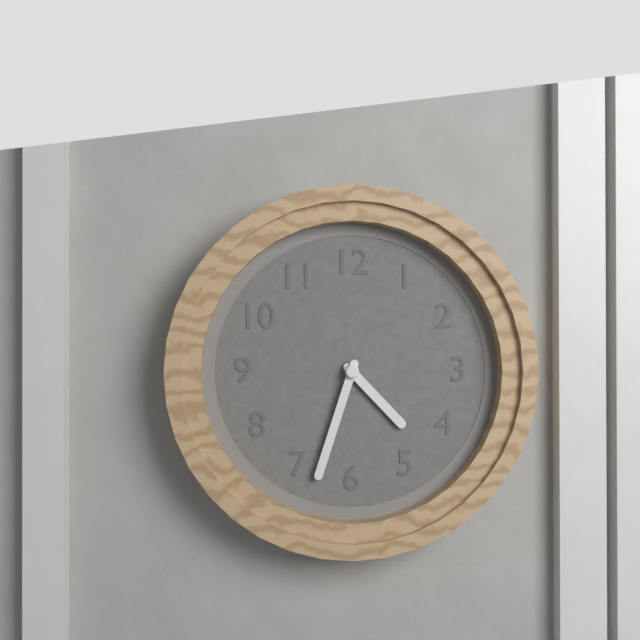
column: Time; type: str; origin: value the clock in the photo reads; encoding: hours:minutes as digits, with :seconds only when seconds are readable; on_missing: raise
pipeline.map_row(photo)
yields 4:33
